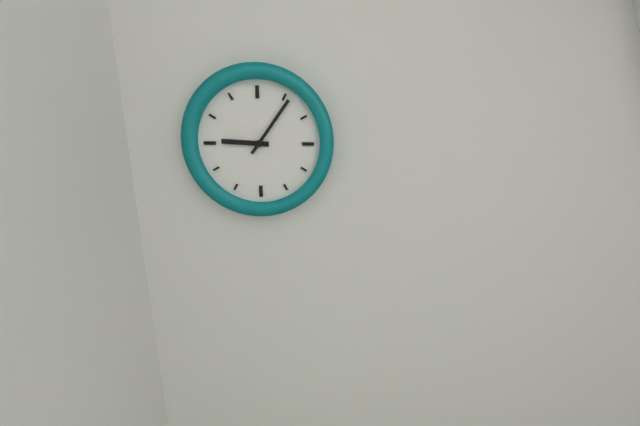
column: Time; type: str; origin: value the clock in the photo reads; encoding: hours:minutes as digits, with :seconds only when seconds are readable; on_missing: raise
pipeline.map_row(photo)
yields 9:06
